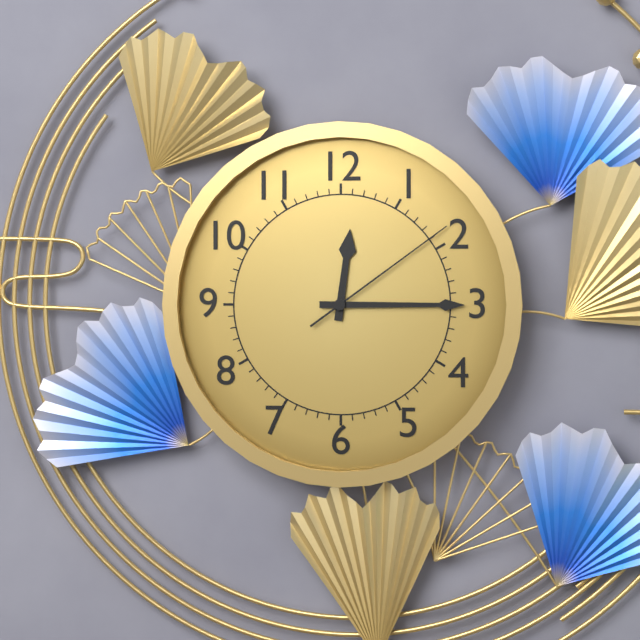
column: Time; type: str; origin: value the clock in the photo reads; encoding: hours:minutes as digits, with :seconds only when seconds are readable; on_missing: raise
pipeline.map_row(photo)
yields 12:15:09
